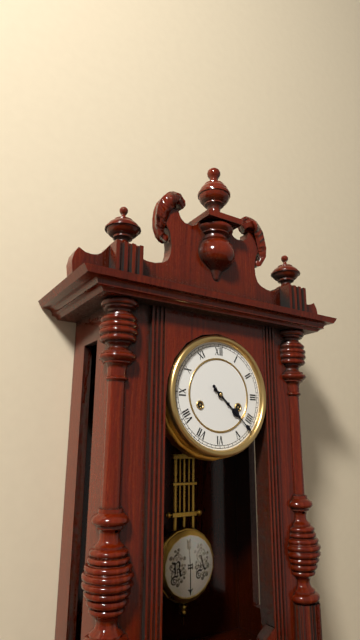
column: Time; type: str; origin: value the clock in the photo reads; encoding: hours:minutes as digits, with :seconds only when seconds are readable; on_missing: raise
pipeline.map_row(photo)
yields 4:22
